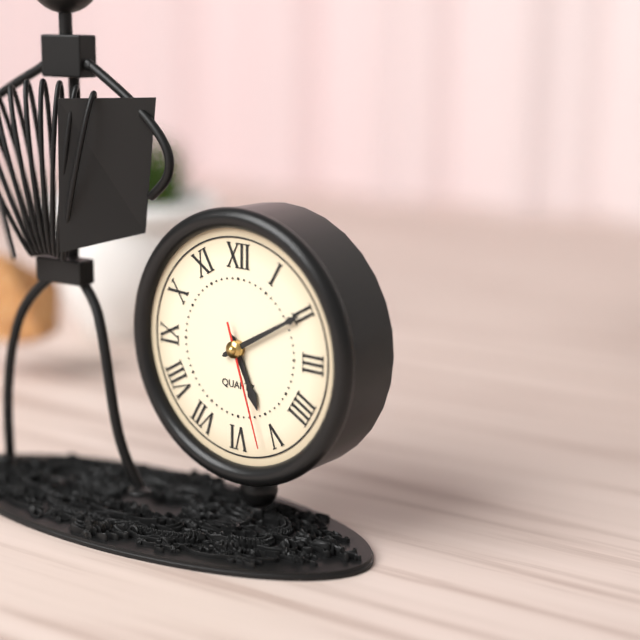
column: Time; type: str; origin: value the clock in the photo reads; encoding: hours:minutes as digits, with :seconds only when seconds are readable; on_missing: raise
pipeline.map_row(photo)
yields 5:10:27
